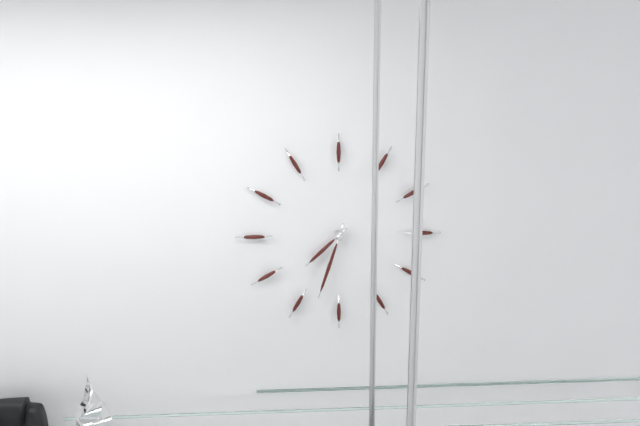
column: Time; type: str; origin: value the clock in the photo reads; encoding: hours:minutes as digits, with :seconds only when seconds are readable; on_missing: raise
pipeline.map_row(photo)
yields 7:33
